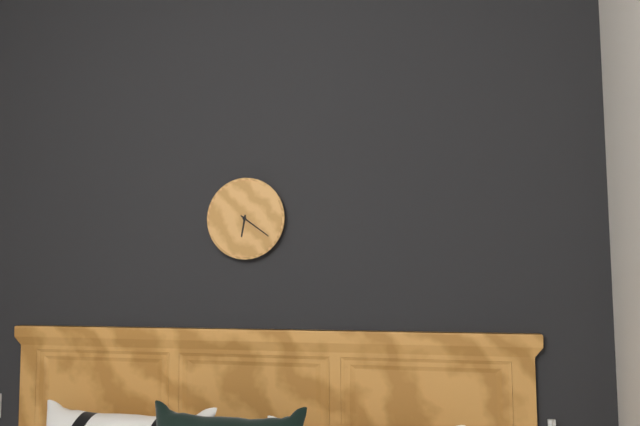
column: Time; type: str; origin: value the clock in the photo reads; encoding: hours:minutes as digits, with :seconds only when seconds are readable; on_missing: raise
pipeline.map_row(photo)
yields 6:21
